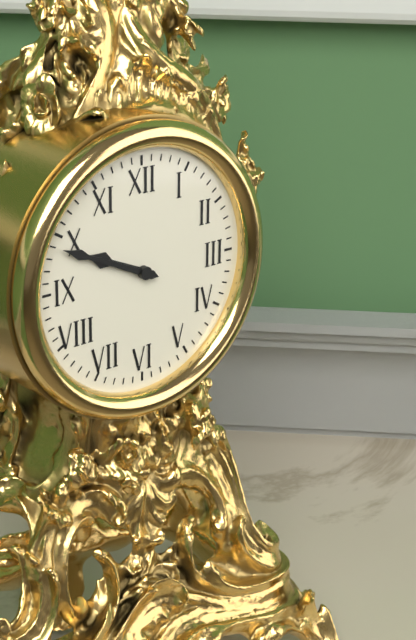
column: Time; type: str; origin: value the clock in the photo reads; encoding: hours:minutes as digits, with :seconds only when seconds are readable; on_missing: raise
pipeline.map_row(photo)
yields 9:49
